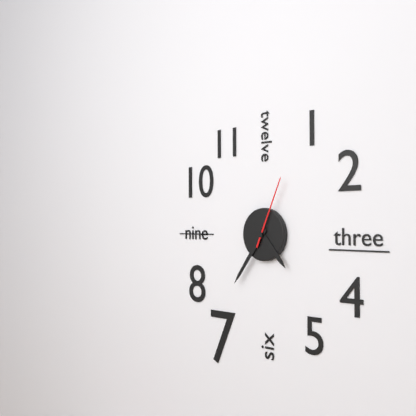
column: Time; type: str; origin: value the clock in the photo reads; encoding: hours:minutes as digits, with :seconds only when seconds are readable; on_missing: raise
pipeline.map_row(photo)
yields 4:36:04
